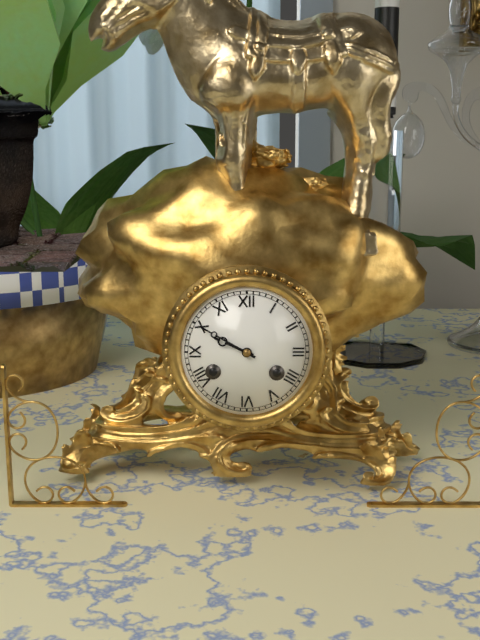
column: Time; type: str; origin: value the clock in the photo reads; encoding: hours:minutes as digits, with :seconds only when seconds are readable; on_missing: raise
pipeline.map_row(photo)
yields 9:50
